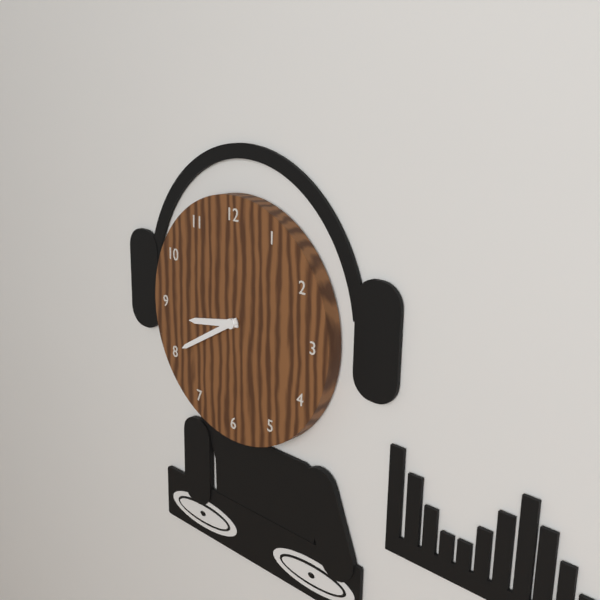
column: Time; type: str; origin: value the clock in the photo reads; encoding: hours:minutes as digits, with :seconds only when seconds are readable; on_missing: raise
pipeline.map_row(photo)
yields 8:40
